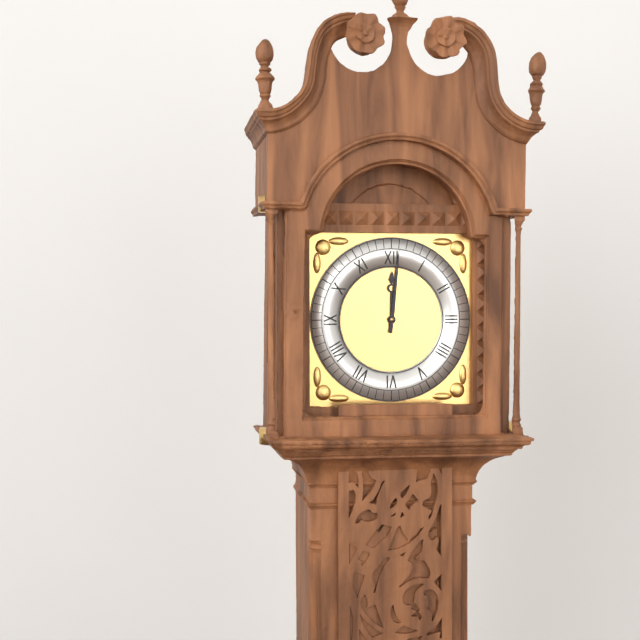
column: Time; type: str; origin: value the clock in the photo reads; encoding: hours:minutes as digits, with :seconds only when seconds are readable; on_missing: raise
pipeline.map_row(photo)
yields 12:01
